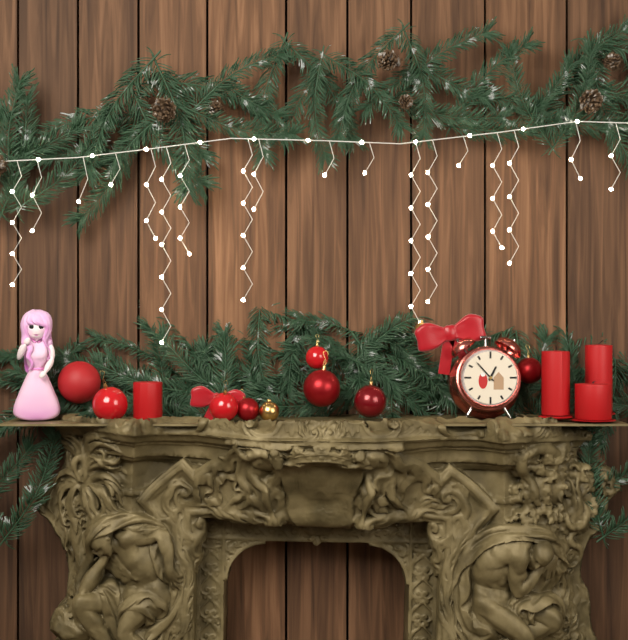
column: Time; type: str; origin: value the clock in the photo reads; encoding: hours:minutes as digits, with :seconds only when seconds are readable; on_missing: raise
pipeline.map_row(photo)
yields 12:53
